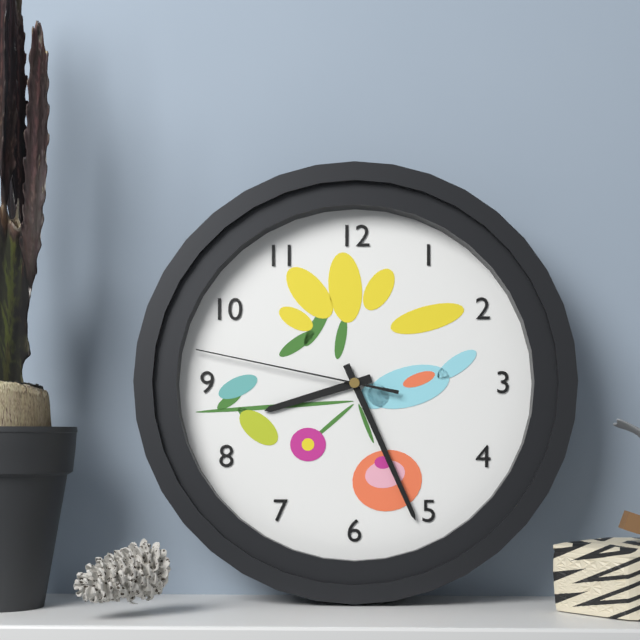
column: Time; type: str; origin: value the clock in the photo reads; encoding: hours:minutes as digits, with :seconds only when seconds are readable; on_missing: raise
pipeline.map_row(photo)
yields 8:26:47
